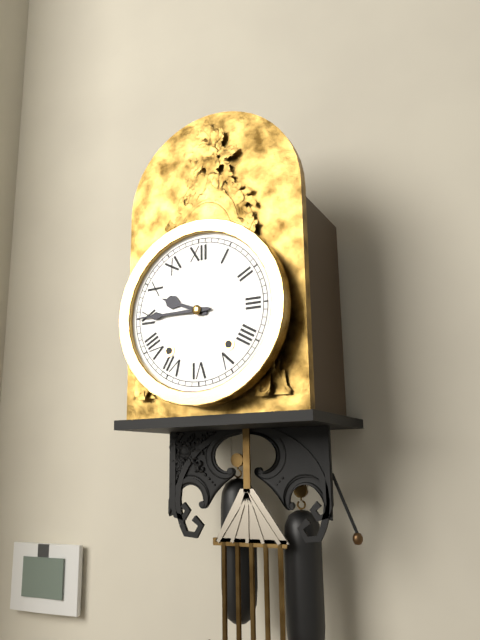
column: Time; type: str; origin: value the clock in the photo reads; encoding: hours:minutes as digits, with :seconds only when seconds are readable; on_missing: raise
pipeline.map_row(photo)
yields 9:45
